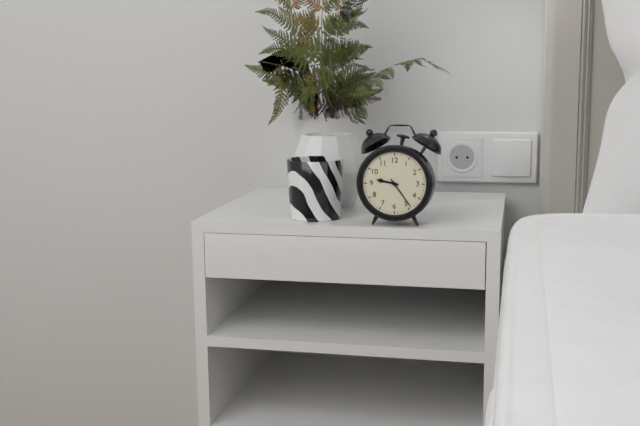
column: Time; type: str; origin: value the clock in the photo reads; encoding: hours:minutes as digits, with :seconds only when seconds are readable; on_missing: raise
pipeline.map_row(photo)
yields 9:24
